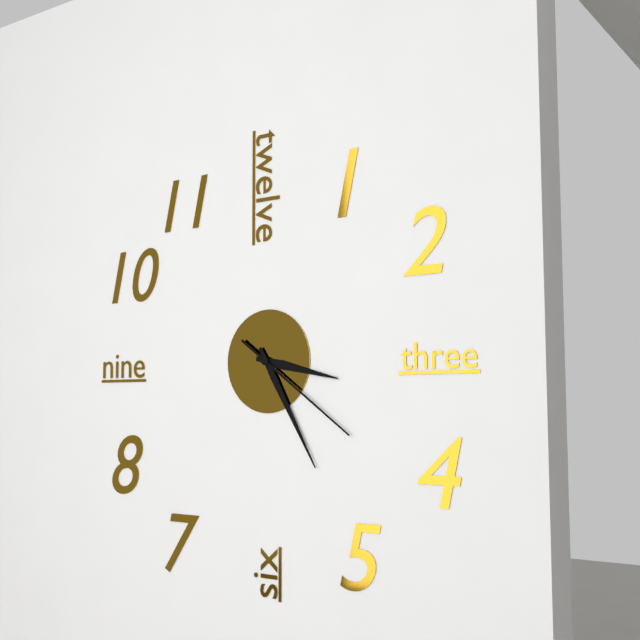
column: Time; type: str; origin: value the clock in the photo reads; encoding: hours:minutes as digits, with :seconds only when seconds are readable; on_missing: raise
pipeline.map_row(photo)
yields 3:25:21
